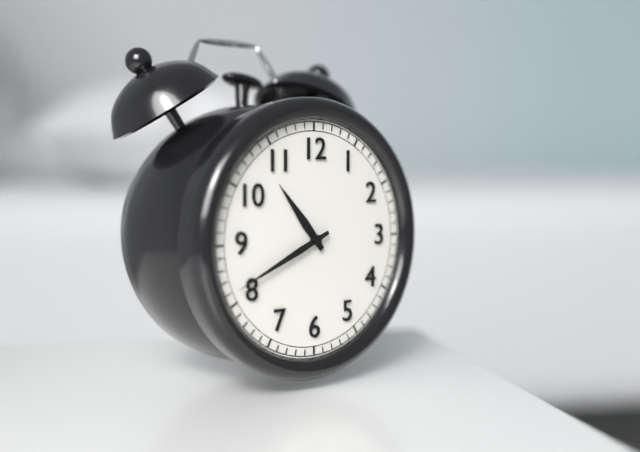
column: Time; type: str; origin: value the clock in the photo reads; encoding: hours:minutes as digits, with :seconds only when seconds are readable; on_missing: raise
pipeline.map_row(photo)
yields 10:41
